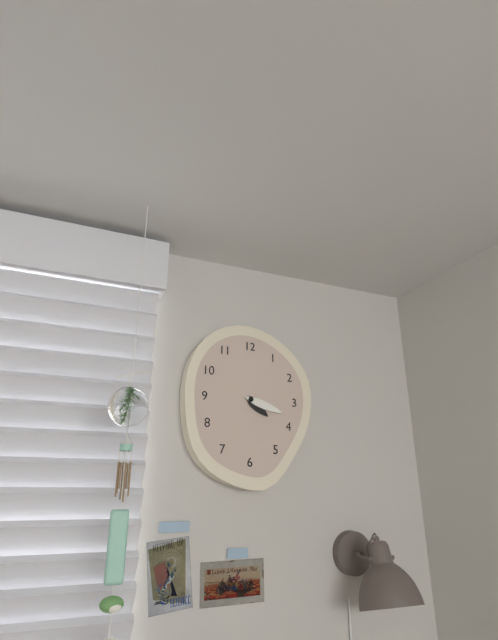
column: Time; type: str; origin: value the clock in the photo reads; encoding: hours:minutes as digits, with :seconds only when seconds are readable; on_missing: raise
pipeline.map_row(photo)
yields 4:18
